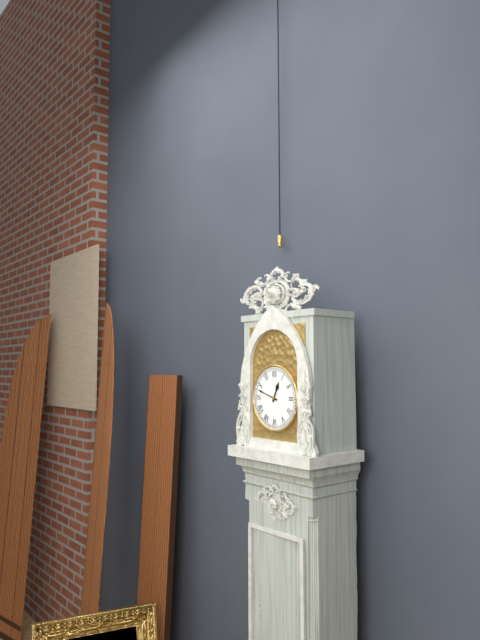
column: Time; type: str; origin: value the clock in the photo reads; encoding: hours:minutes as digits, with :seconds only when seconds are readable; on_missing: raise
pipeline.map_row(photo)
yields 12:48
